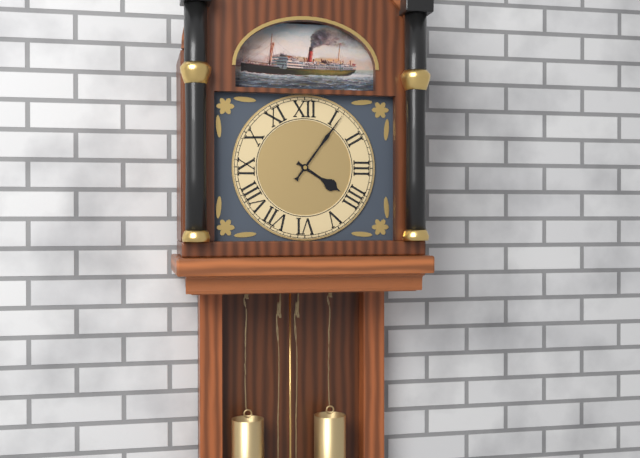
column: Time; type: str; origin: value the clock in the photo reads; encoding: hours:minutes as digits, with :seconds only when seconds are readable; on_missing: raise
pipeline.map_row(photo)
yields 4:06
